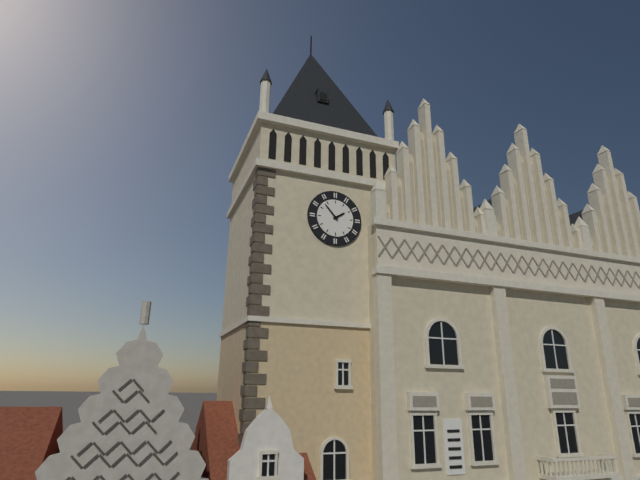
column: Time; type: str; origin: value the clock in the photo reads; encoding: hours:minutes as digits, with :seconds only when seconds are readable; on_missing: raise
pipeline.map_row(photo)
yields 1:53
